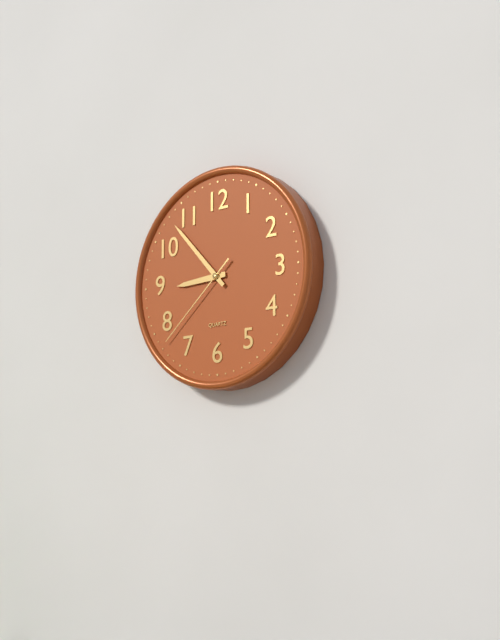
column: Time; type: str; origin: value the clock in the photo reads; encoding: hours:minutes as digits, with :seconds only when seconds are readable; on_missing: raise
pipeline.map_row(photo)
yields 8:53:38
